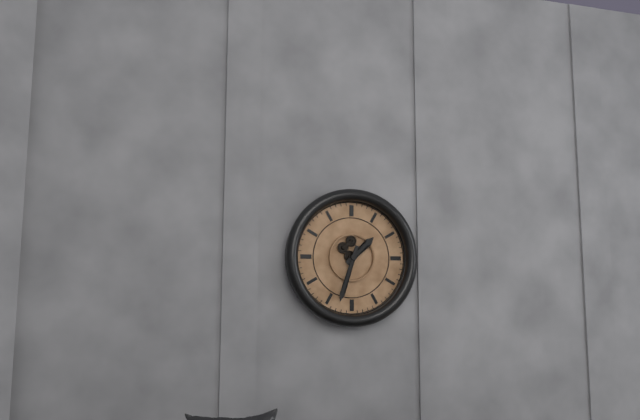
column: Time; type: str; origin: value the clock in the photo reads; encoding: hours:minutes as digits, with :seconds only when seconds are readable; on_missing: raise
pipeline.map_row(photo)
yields 1:33
